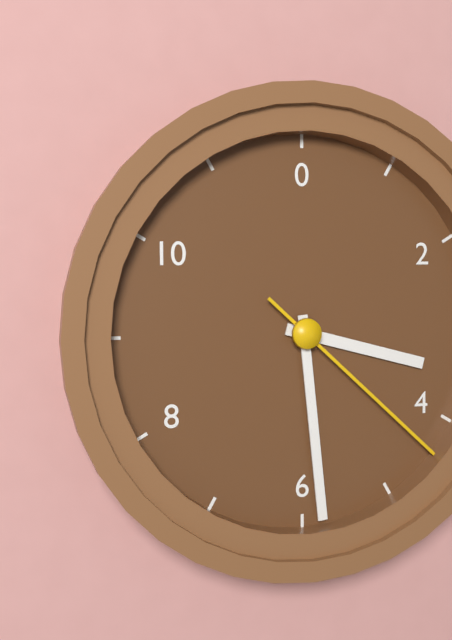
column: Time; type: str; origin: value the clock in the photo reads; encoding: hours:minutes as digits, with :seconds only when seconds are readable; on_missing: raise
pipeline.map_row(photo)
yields 3:29:22
